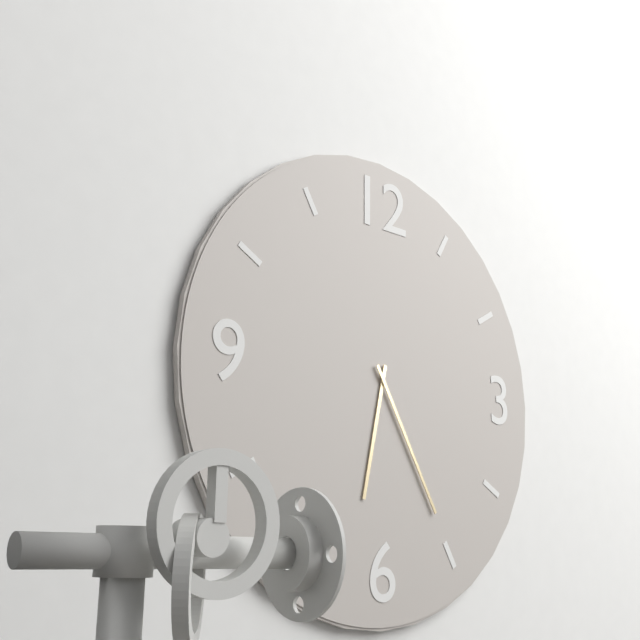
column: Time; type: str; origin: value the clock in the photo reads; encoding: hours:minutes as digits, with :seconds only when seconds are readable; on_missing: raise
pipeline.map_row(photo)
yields 6:25
